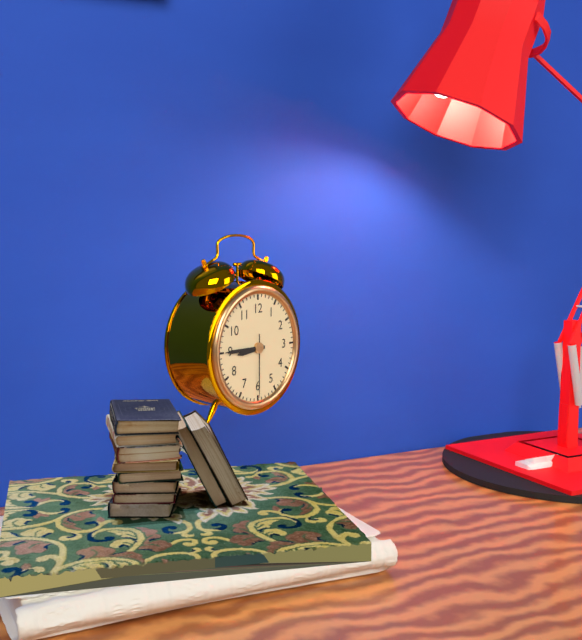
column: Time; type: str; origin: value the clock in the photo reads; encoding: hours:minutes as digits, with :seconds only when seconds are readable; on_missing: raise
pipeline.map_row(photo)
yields 8:45:30
